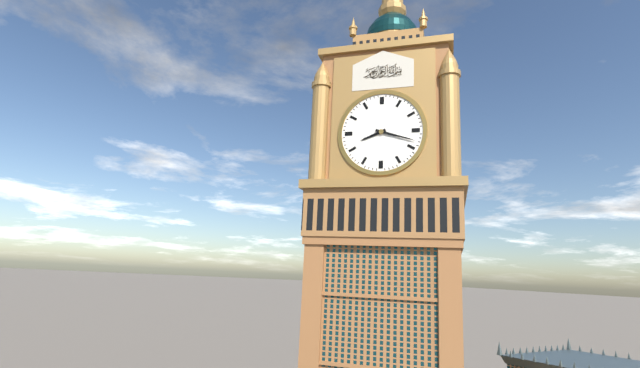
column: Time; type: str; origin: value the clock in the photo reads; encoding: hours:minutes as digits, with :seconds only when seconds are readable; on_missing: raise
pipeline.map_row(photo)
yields 8:18
